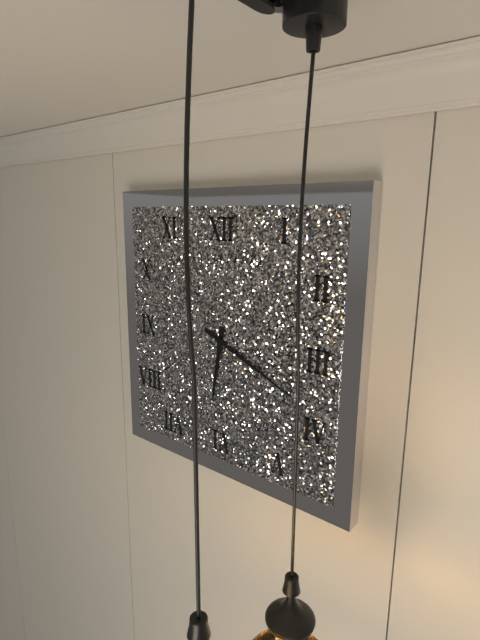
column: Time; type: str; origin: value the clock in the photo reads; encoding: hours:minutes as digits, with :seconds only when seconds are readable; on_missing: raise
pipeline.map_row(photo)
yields 6:19
